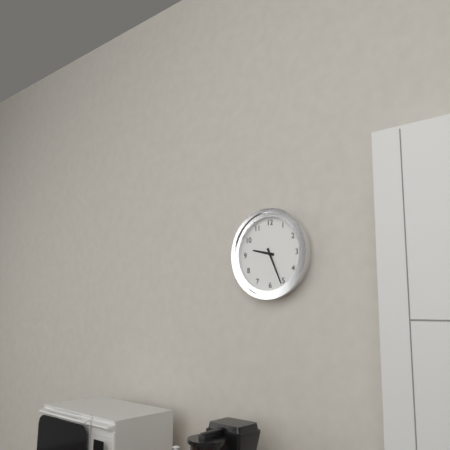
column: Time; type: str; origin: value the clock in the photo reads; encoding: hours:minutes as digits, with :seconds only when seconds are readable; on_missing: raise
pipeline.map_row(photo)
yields 9:26
